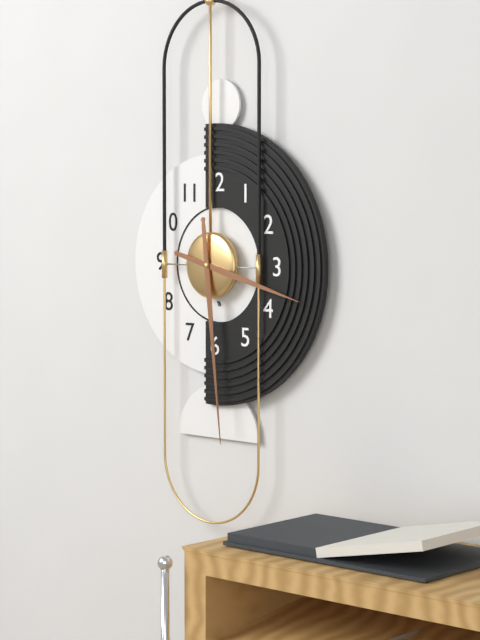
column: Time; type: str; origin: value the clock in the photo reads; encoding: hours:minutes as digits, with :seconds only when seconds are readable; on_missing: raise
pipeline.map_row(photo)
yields 3:29
